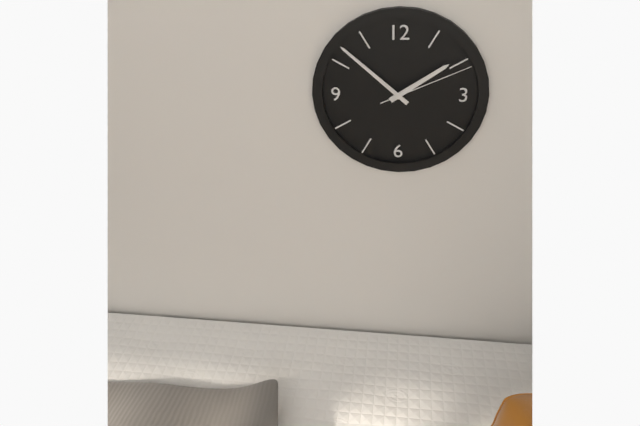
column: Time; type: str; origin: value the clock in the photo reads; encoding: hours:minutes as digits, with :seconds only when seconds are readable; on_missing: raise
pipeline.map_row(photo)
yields 1:52:11
